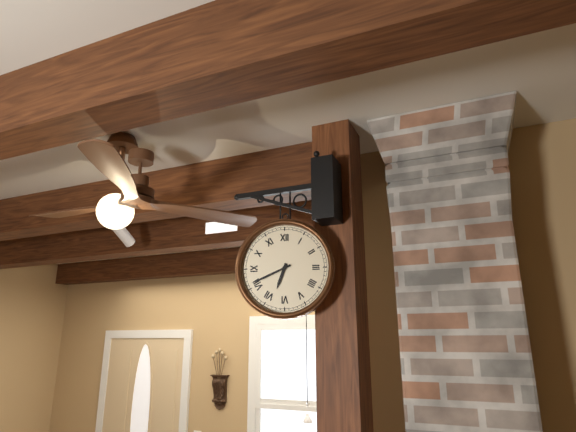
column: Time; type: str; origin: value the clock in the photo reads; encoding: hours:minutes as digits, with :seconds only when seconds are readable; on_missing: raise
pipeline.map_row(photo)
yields 6:41
